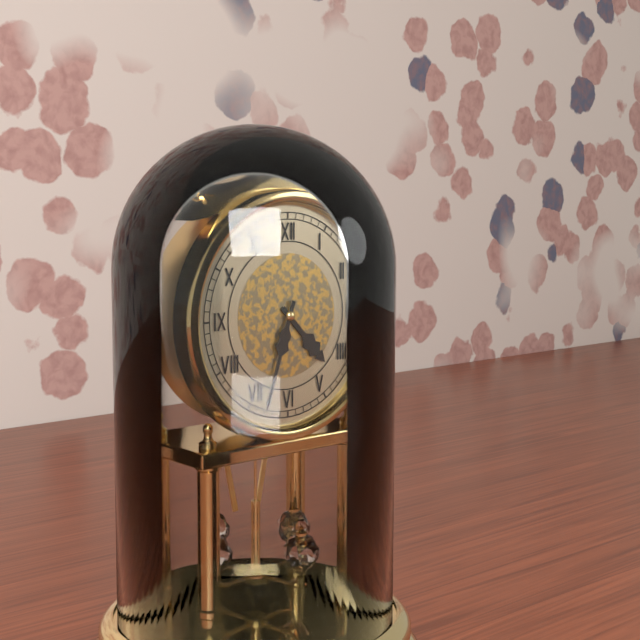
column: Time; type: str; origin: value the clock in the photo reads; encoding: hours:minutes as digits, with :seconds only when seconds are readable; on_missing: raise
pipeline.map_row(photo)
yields 4:33
